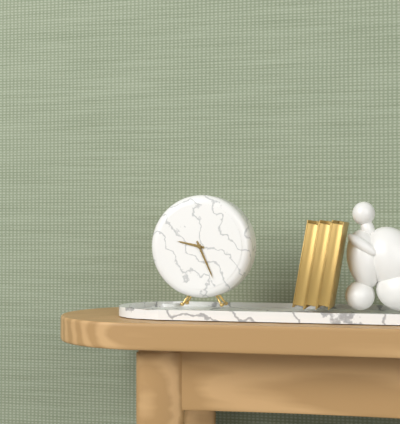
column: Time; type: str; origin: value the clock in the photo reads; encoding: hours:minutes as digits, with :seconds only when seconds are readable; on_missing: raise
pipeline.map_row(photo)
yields 9:26
